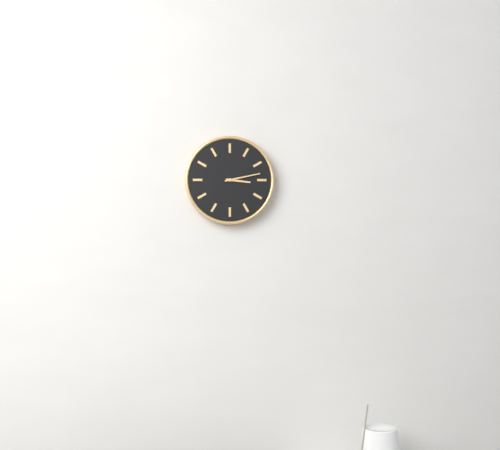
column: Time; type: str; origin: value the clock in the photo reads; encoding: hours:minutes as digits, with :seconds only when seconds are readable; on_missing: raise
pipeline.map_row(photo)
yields 3:13
